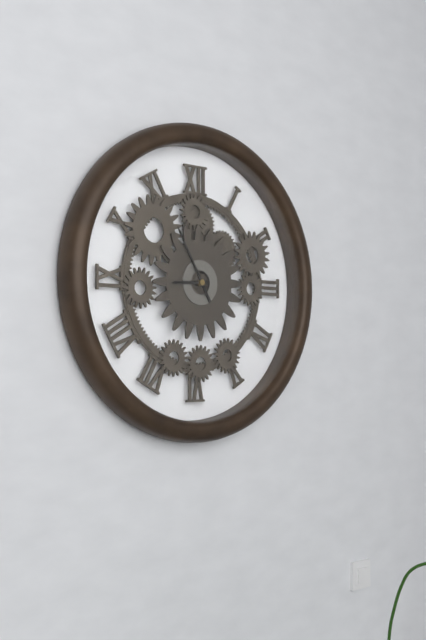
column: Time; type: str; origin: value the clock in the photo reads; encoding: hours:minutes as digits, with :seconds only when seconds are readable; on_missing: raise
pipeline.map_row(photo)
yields 8:55
